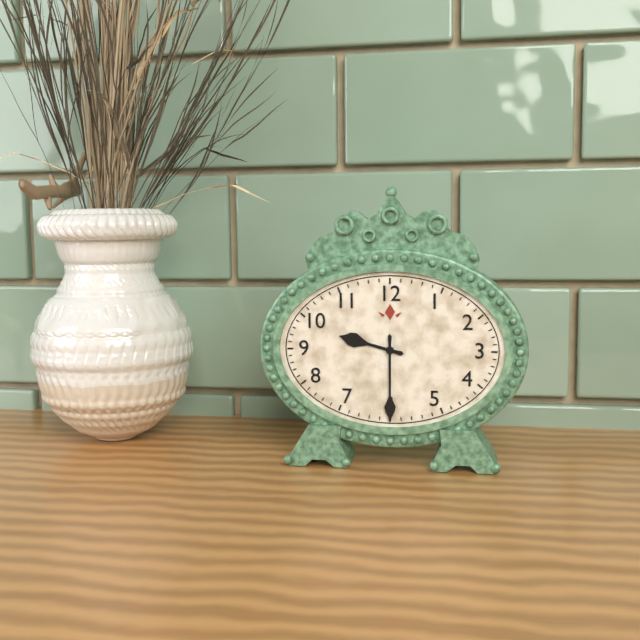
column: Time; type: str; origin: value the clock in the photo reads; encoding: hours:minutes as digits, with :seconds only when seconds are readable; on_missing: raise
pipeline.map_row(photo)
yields 9:30
